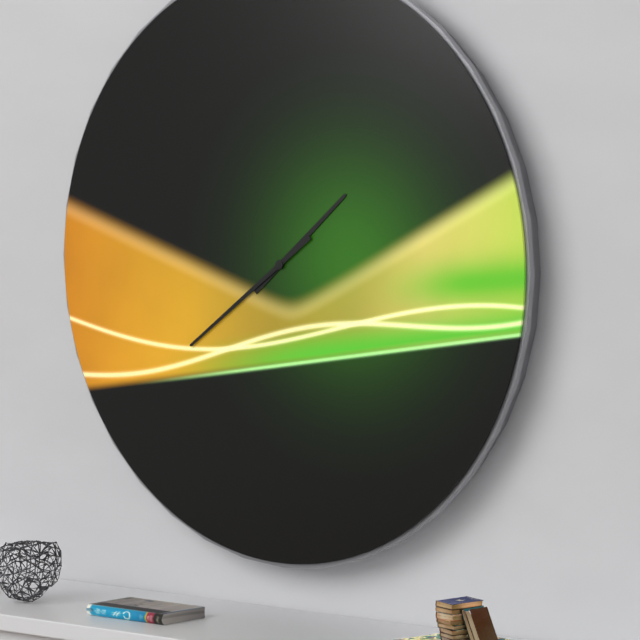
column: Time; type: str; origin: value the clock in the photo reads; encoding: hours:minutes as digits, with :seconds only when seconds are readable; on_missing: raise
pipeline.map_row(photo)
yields 1:39
